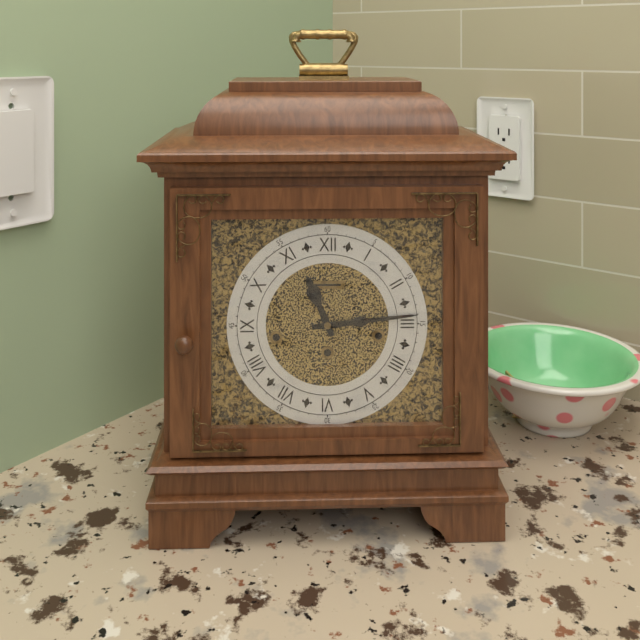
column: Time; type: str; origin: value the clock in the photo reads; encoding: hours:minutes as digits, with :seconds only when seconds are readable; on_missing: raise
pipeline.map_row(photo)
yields 11:14
